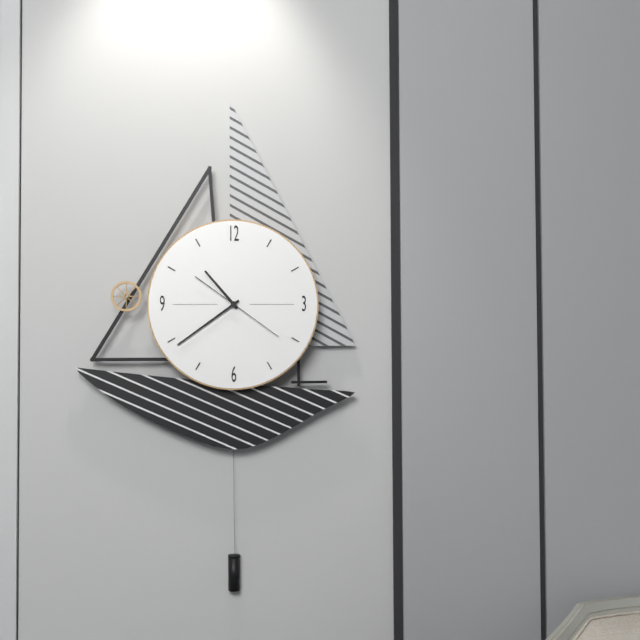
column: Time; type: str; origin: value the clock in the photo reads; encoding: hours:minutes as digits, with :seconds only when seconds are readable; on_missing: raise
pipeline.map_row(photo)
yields 10:39:21
